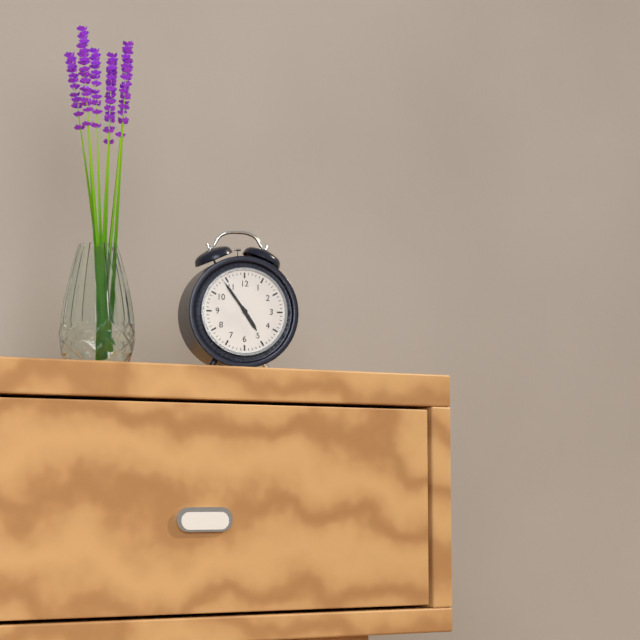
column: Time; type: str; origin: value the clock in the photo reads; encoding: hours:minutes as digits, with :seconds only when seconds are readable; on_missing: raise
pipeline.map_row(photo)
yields 4:54
